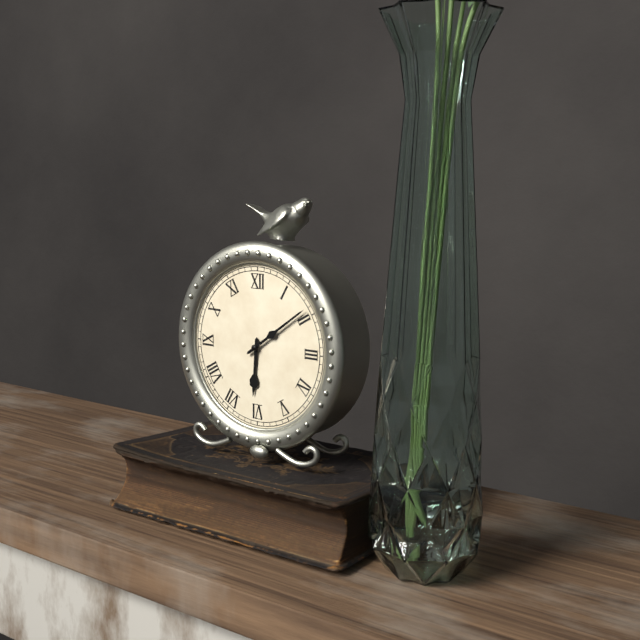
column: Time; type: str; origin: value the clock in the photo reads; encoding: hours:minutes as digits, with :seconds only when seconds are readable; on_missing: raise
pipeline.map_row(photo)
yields 6:09
